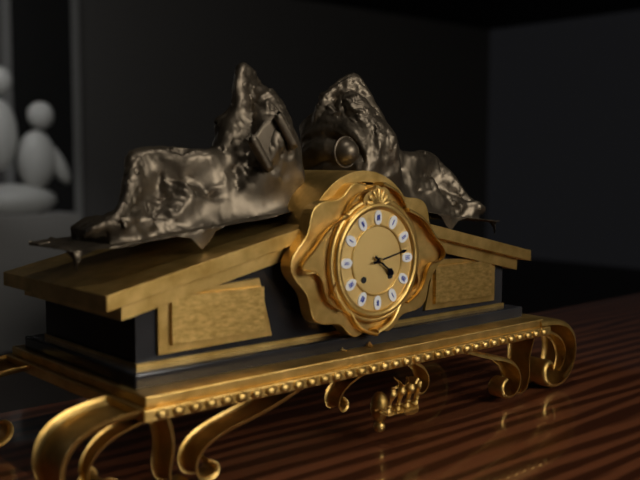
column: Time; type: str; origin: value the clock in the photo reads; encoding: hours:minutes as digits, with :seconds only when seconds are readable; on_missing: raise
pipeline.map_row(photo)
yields 4:13
